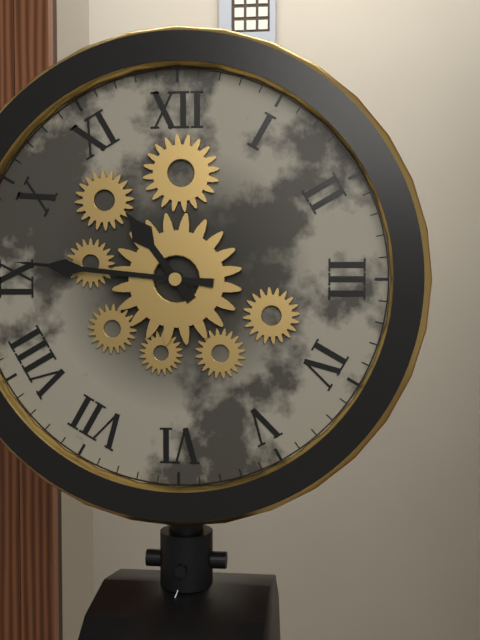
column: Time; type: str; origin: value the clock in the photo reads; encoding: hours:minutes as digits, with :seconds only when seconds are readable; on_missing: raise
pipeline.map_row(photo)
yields 10:46
